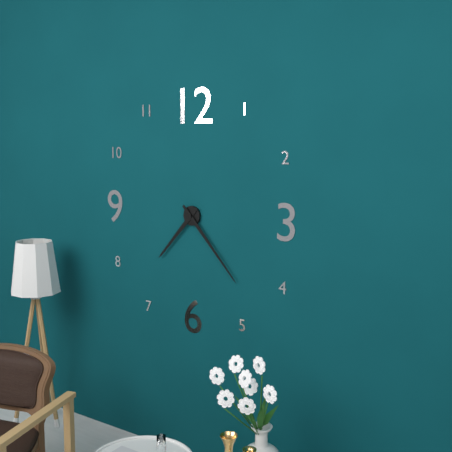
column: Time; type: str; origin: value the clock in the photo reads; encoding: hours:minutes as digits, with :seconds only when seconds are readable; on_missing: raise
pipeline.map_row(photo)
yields 7:23
